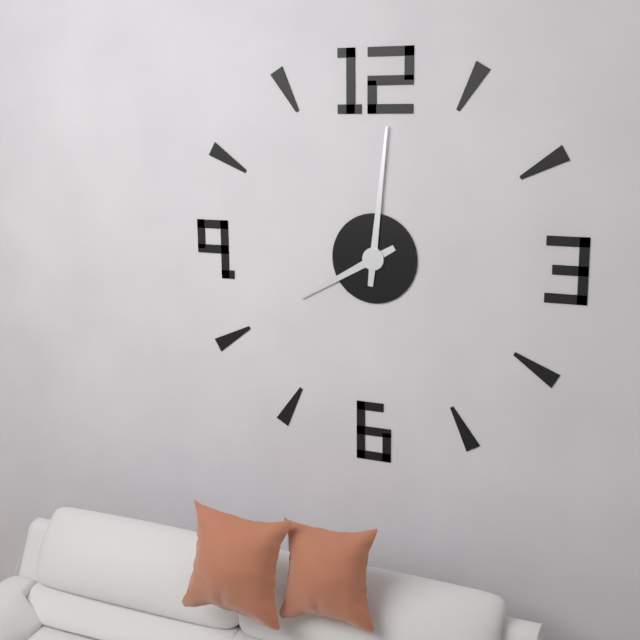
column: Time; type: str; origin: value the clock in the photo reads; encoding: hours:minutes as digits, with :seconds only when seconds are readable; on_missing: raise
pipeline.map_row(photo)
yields 8:01
